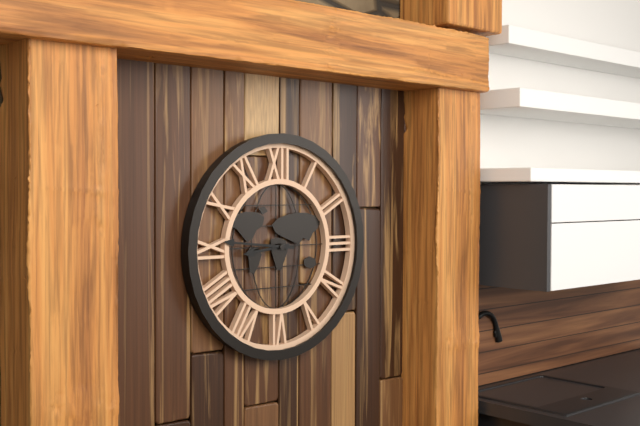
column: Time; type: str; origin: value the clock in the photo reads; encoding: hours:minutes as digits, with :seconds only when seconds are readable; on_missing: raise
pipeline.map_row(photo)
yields 8:46
